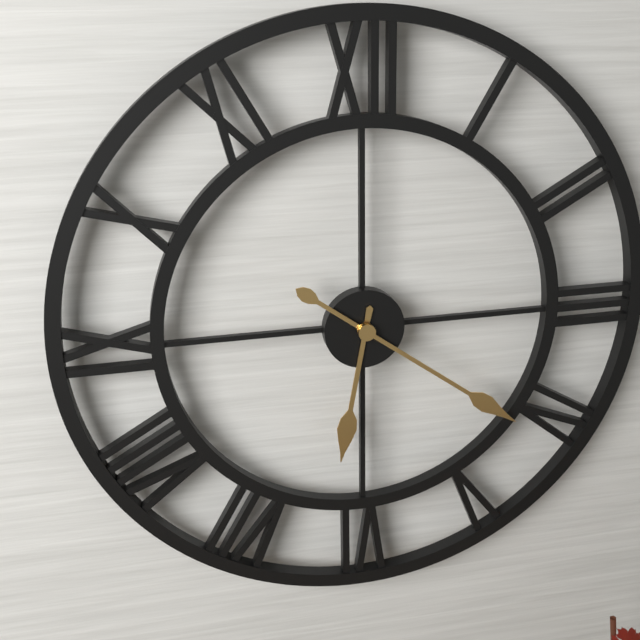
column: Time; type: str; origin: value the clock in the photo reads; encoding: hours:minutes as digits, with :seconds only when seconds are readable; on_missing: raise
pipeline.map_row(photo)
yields 6:21
